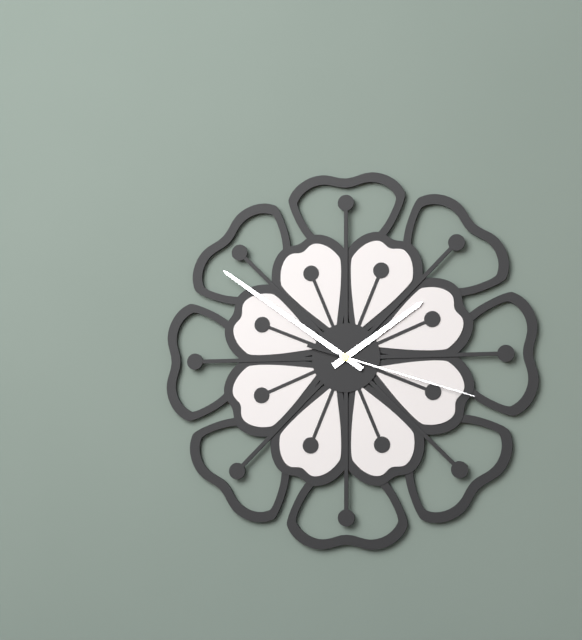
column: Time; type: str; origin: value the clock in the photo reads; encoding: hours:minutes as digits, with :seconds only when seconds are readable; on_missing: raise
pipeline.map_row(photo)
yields 1:51:18
